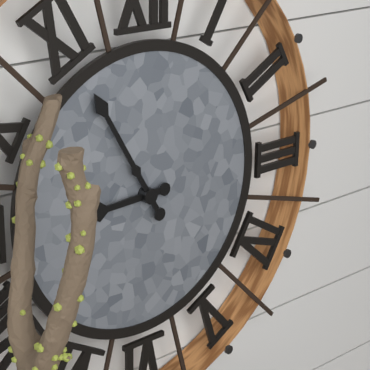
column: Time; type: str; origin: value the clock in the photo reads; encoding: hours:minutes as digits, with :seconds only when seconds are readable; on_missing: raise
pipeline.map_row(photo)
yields 8:55
